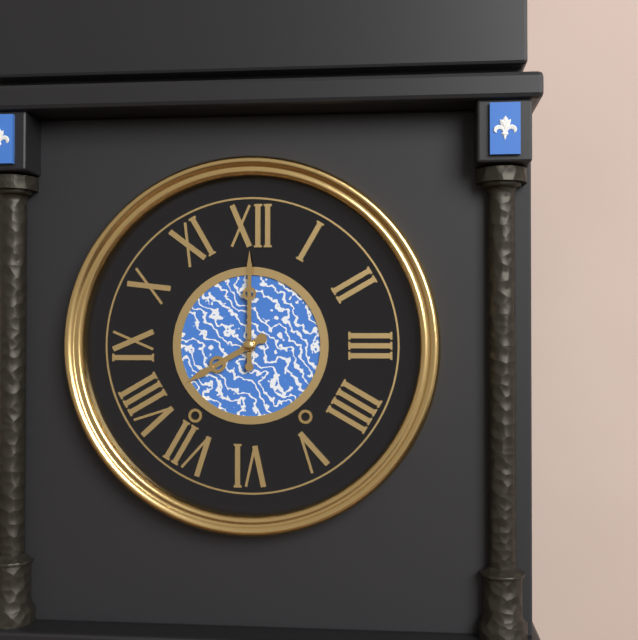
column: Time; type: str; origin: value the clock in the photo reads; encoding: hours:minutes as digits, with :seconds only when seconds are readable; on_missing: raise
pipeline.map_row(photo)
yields 8:00
